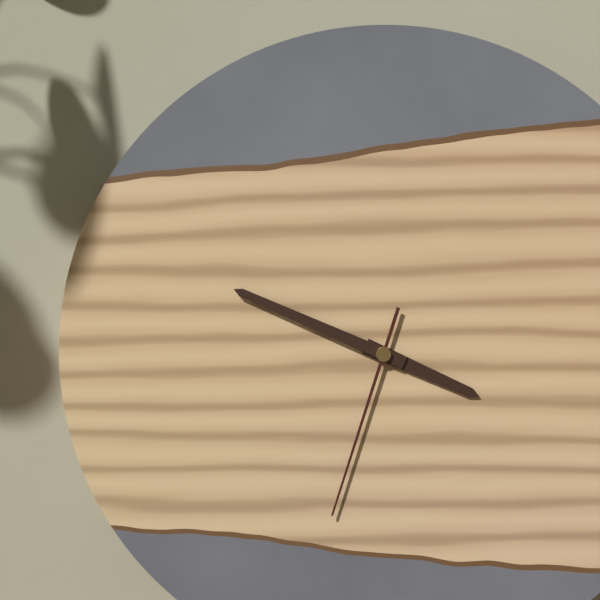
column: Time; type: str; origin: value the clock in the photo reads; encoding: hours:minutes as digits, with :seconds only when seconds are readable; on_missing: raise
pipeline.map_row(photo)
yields 3:49:33
